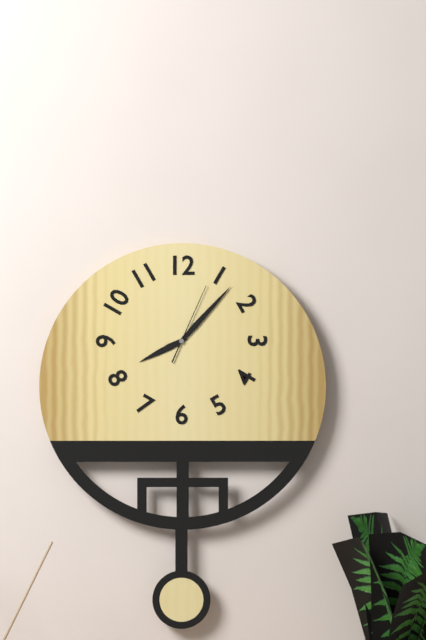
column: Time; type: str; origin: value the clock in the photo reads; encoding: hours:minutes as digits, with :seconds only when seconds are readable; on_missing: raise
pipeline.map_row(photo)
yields 8:07:04
